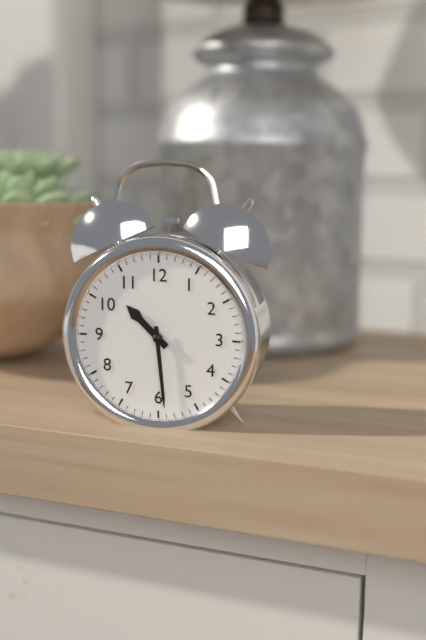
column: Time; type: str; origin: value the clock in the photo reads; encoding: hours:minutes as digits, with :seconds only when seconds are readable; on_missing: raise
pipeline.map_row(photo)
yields 10:29
